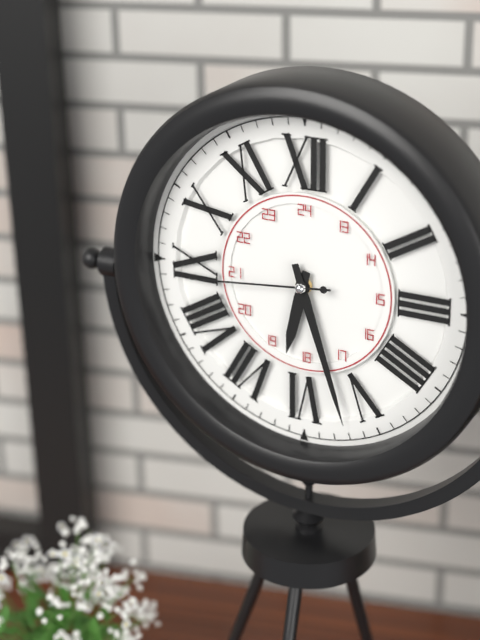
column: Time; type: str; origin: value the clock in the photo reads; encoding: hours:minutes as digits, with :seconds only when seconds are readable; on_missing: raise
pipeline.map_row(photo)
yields 6:27:44
